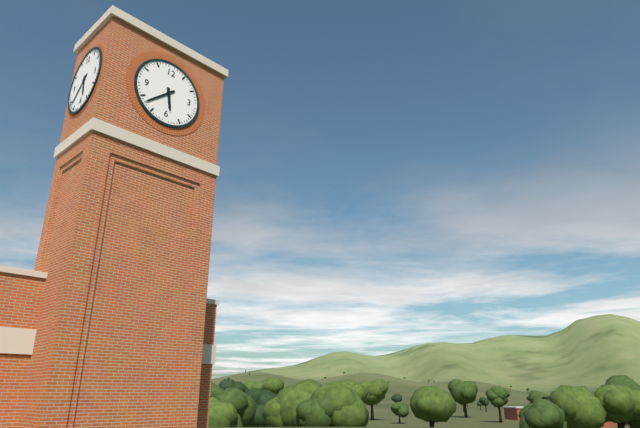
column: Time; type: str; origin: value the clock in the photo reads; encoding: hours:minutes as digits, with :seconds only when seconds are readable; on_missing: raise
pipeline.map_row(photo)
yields 5:38
